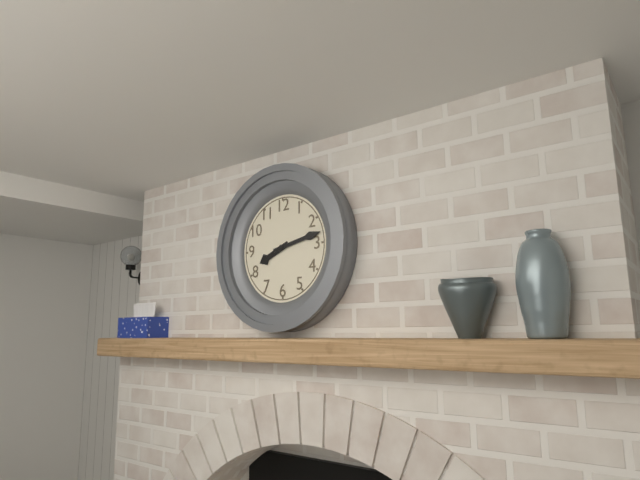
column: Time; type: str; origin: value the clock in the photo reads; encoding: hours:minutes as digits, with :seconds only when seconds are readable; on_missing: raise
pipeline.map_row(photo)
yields 8:13
